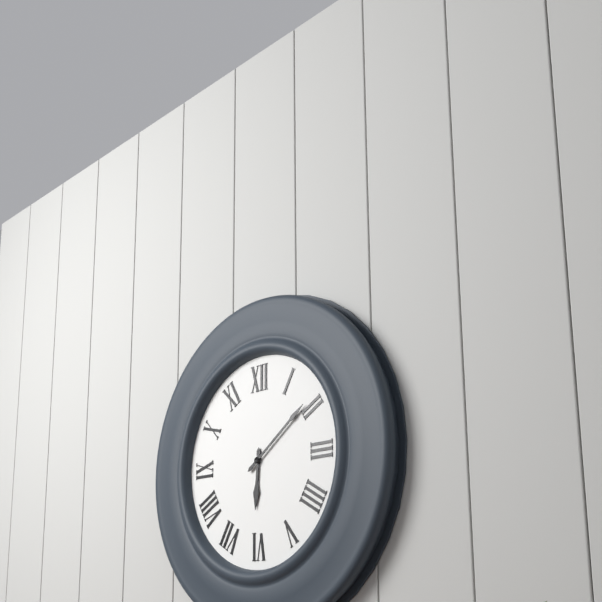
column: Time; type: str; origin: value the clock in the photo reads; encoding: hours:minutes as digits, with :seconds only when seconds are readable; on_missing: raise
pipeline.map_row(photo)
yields 6:09
